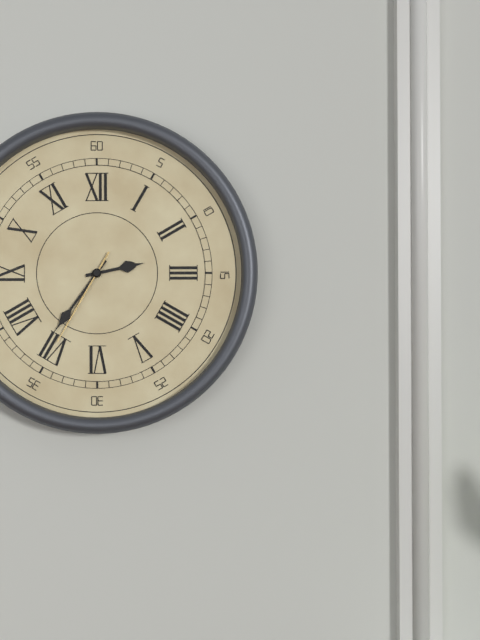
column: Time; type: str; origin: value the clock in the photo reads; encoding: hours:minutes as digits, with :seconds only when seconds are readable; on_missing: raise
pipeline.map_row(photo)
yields 2:36:35
